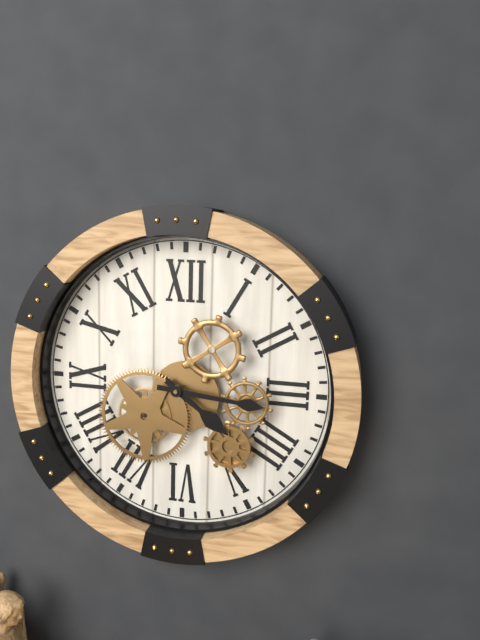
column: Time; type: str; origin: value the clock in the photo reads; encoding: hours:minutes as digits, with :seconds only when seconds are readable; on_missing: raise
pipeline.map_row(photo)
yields 4:16
